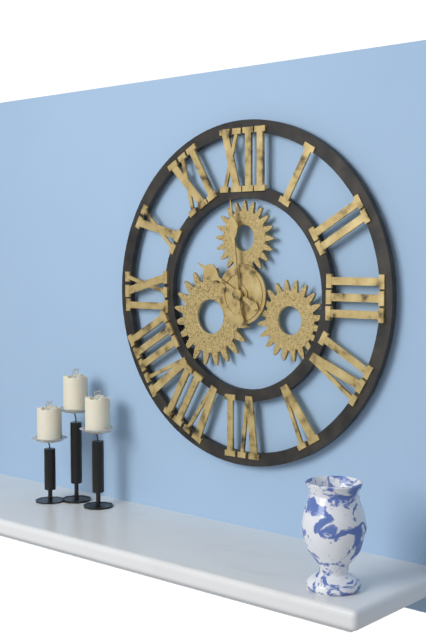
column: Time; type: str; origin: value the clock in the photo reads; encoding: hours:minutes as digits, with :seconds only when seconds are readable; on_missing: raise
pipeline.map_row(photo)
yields 9:59
